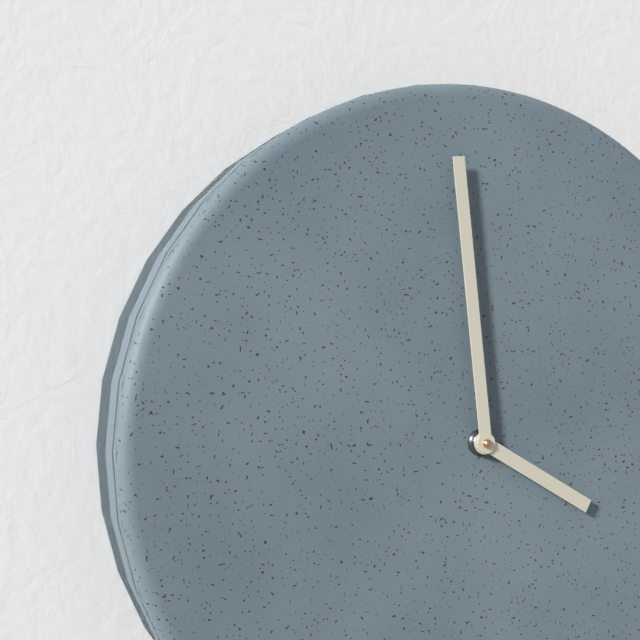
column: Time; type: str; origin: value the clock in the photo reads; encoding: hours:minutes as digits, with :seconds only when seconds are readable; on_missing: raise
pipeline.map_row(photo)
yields 3:59
